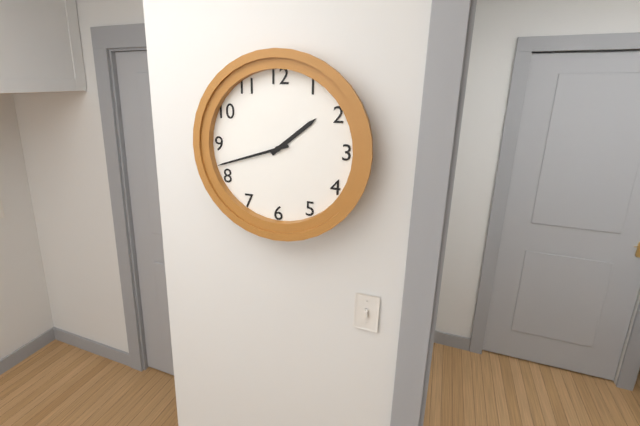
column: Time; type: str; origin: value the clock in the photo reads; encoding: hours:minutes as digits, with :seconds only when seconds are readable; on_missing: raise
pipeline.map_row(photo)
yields 1:42
